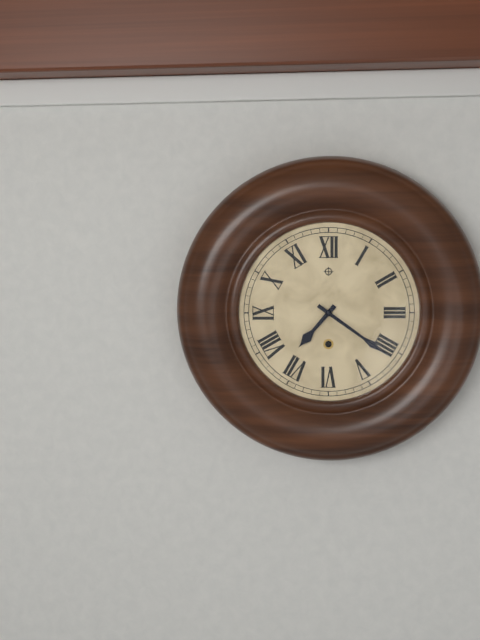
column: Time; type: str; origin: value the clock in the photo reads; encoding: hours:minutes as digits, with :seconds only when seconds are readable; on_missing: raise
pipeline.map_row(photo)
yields 7:21
